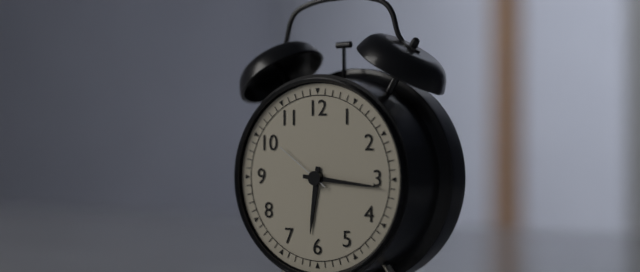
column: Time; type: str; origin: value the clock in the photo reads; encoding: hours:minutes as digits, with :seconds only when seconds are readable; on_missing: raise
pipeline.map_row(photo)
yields 6:16:51
